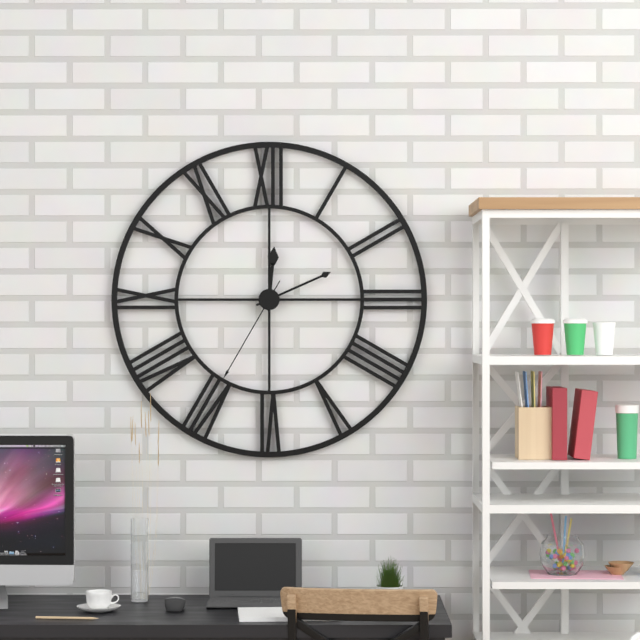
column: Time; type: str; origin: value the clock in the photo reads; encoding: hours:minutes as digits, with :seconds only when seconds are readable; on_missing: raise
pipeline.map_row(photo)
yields 12:11:35
